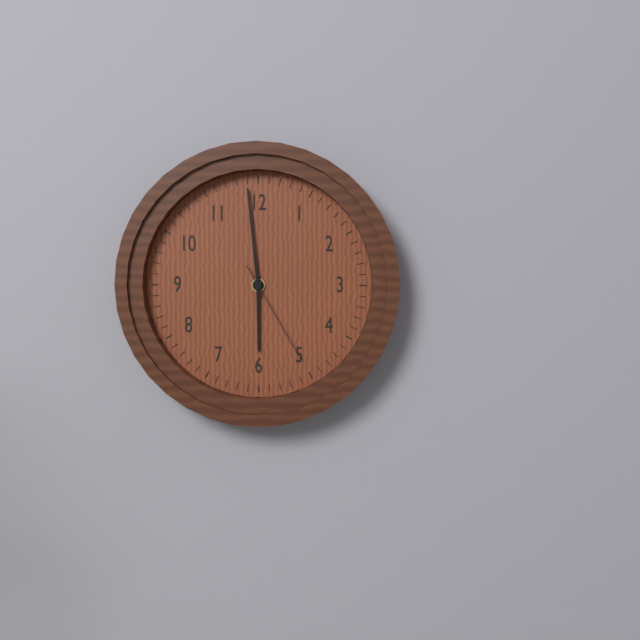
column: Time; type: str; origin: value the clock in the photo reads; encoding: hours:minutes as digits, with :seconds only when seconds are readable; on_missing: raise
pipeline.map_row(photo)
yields 5:59:25
